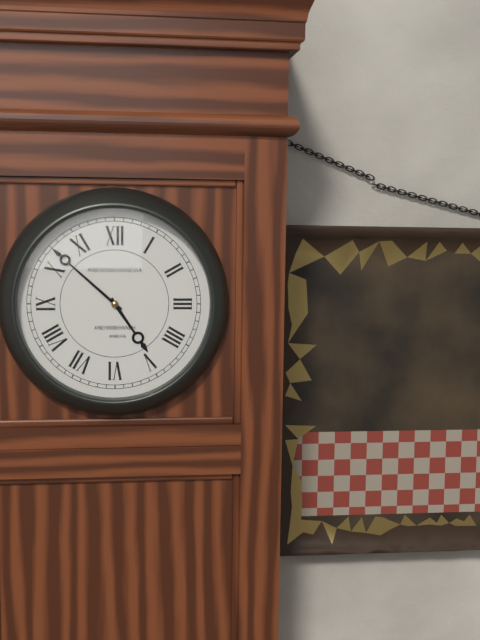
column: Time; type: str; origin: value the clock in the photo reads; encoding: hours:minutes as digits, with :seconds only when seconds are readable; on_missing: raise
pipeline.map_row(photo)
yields 4:52
